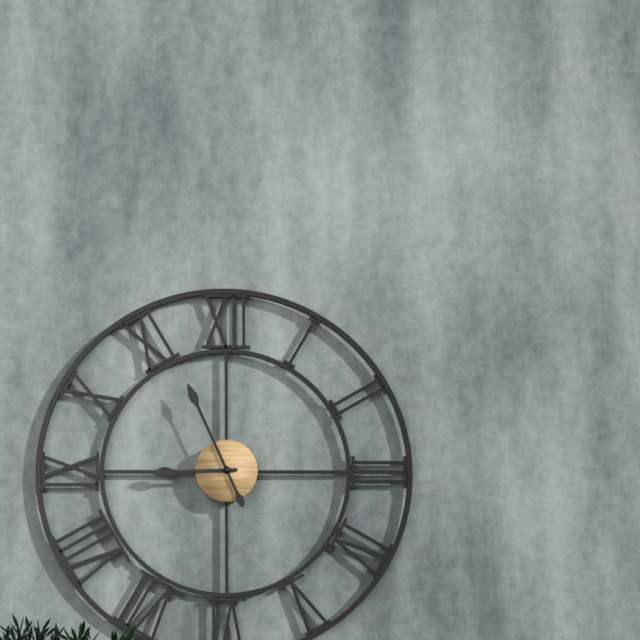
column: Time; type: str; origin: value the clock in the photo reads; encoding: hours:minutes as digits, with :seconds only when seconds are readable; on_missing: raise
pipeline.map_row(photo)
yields 8:56
